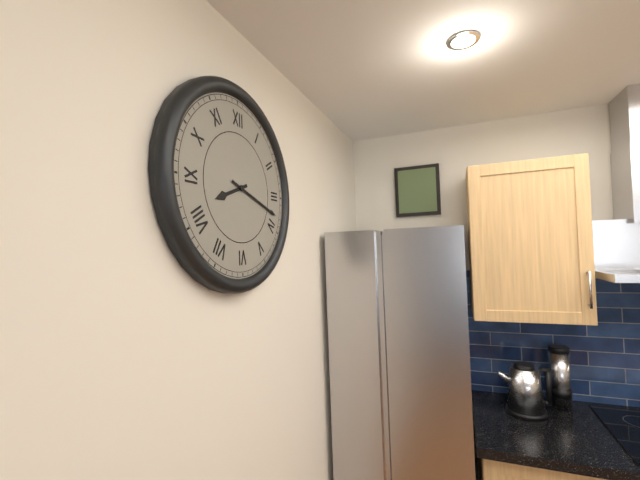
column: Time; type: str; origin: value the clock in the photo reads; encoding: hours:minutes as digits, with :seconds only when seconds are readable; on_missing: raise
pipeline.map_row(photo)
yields 8:18
